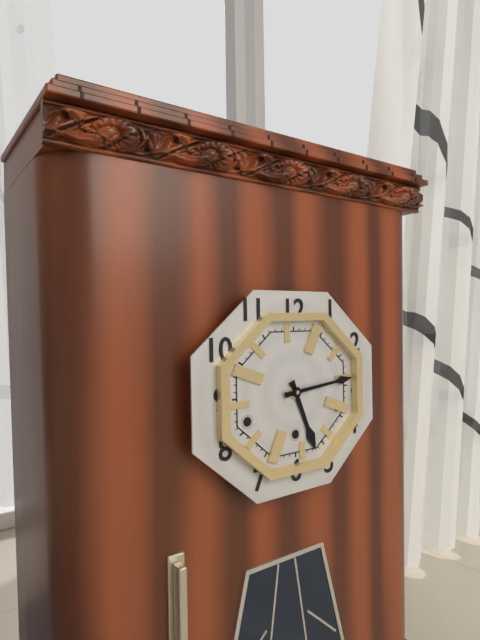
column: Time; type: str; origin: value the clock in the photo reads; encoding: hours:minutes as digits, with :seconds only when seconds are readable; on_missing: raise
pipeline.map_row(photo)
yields 5:14
